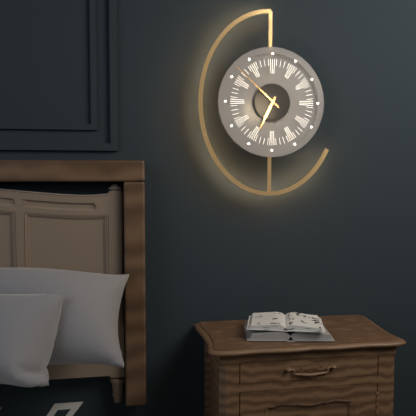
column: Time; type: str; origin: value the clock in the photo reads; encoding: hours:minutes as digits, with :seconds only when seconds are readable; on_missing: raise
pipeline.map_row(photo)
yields 6:52
